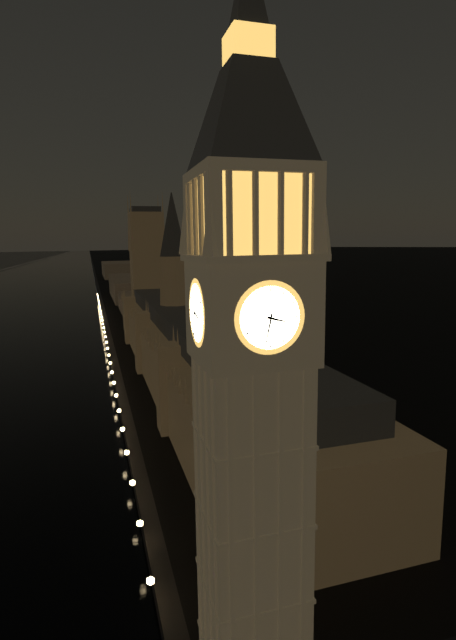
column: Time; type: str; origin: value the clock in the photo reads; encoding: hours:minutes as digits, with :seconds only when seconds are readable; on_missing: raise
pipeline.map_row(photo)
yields 3:32
